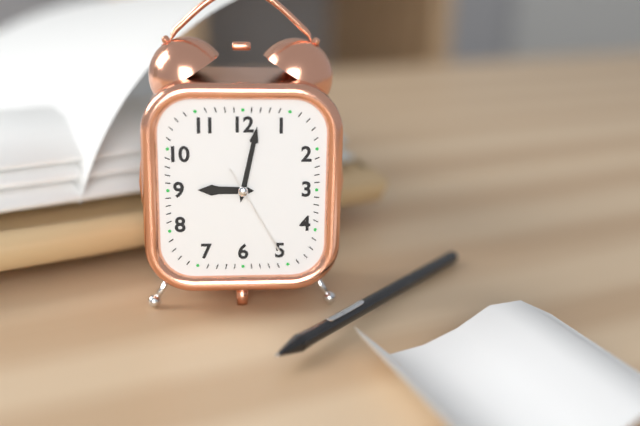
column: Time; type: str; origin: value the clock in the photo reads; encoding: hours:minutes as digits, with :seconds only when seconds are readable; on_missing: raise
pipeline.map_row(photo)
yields 9:02:25
